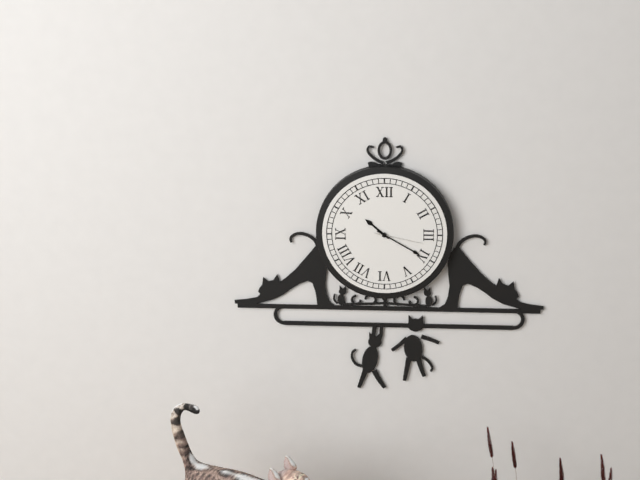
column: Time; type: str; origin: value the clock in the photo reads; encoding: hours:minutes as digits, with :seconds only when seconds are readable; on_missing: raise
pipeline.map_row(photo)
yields 10:20
